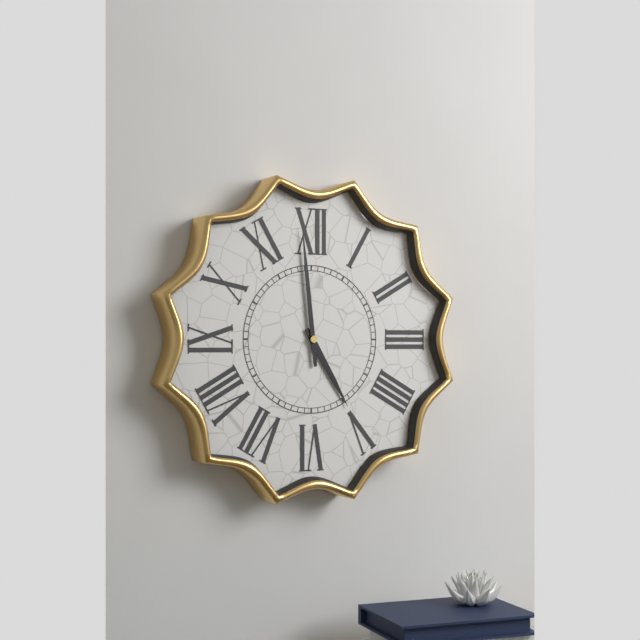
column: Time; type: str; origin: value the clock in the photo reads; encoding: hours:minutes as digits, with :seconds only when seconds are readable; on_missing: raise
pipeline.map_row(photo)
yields 4:59
